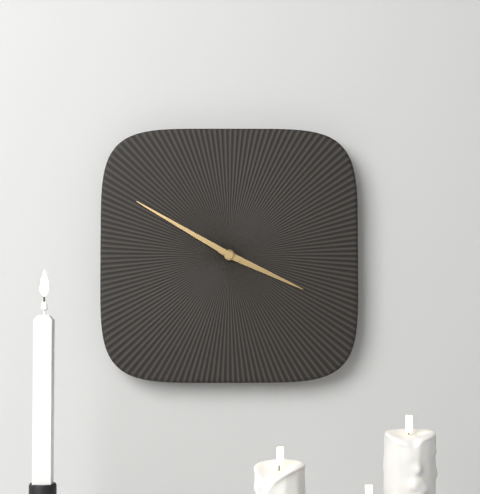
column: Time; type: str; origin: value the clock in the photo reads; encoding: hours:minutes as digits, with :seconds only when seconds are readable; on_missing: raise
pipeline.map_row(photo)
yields 3:50
